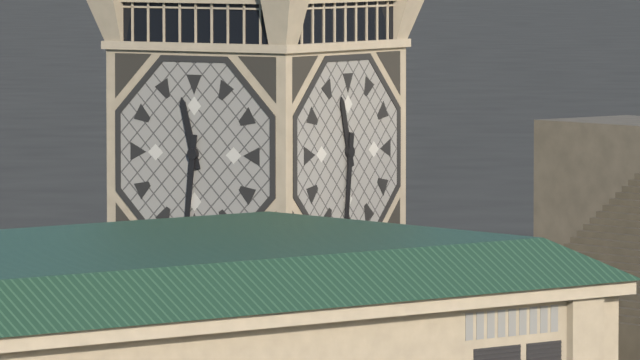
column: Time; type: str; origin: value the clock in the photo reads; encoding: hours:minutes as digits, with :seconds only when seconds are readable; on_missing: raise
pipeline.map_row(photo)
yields 11:31
